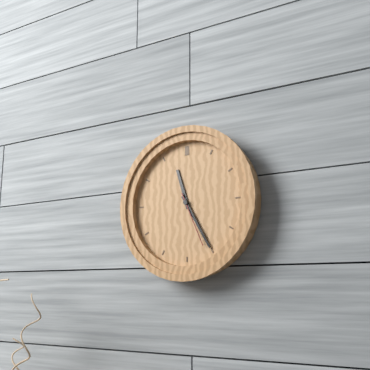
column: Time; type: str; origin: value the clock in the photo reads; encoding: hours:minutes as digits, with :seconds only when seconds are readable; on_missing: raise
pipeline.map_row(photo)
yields 11:25:26
